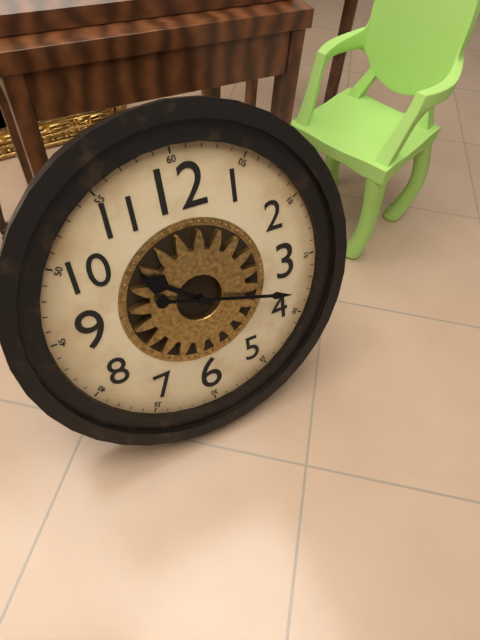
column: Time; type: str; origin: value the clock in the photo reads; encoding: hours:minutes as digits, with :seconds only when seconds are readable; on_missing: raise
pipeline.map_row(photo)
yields 10:18
